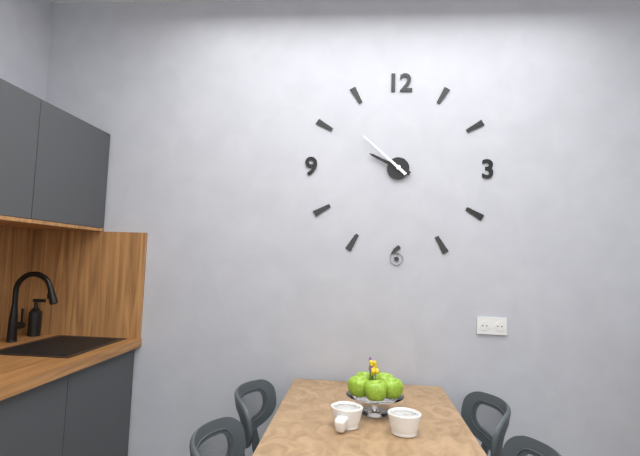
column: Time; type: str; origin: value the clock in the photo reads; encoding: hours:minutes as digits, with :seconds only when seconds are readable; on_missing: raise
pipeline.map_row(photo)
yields 9:52
